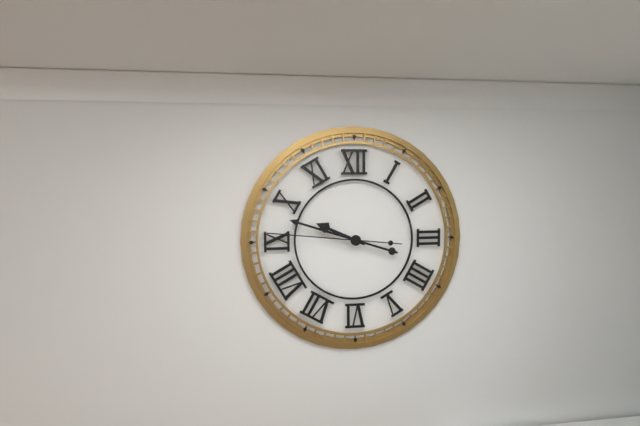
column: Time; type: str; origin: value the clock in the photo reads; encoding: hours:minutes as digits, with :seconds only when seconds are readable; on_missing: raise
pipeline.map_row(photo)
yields 9:48:46
